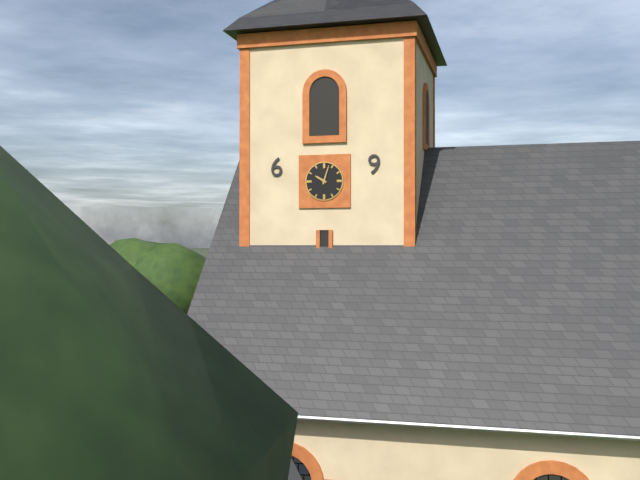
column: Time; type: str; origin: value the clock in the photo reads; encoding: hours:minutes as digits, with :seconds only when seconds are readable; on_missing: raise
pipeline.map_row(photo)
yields 10:03
